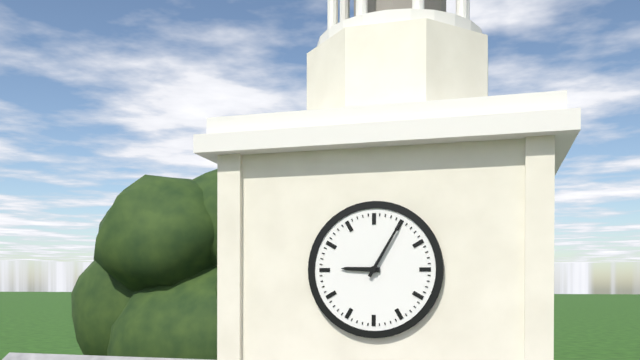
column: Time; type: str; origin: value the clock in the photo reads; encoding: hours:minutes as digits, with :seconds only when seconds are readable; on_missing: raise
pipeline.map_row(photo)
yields 9:05
